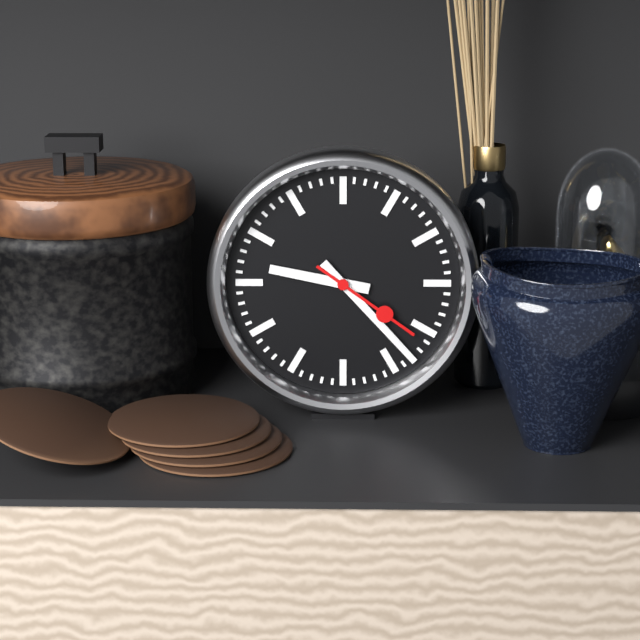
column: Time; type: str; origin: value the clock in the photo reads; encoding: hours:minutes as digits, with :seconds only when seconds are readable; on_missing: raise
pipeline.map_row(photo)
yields 9:23:21
